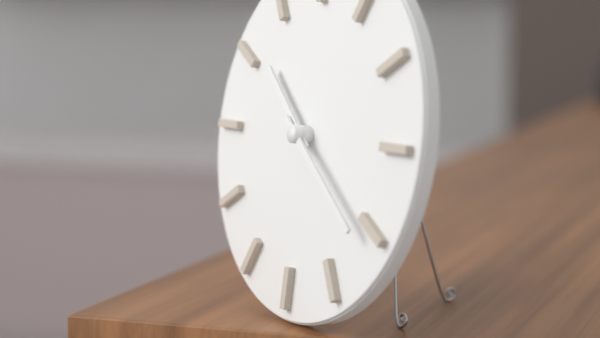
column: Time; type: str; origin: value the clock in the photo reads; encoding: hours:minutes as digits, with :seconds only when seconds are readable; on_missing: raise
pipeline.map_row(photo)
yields 10:21
